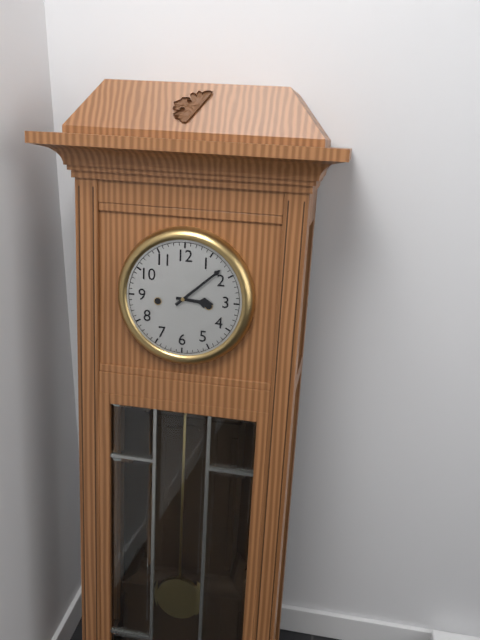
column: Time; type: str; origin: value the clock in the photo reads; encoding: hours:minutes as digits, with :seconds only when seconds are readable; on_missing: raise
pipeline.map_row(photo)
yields 3:08
